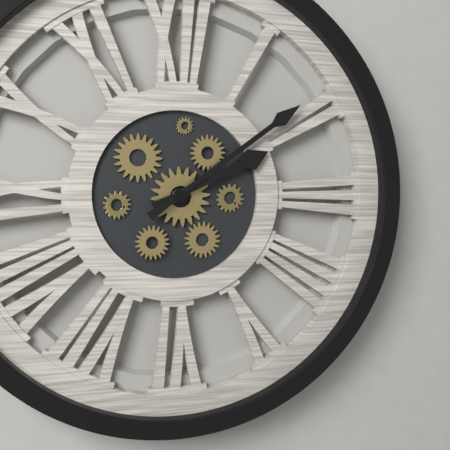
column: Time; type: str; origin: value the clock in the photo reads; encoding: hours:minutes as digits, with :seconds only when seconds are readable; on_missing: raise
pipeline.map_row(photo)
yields 2:09
